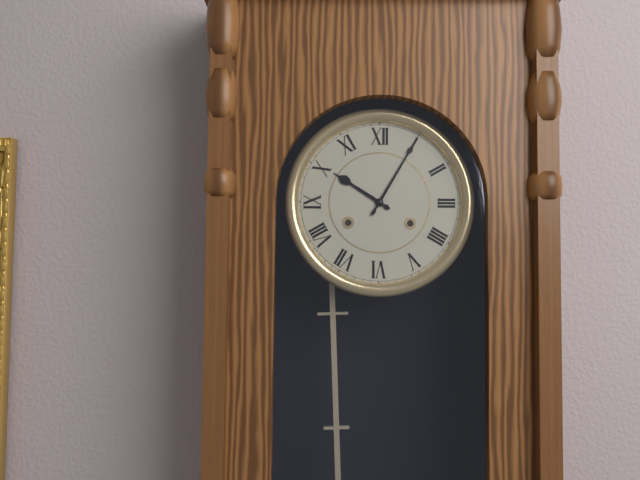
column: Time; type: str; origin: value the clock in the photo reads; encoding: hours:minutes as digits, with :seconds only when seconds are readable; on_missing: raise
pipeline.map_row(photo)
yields 10:05
